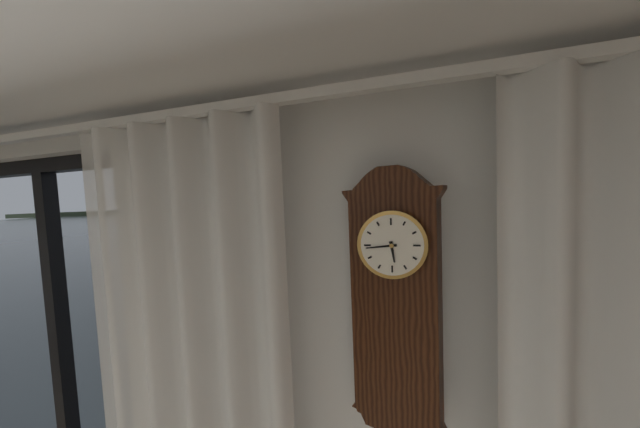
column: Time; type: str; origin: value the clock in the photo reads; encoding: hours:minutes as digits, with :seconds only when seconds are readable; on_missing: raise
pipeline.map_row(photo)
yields 5:44
